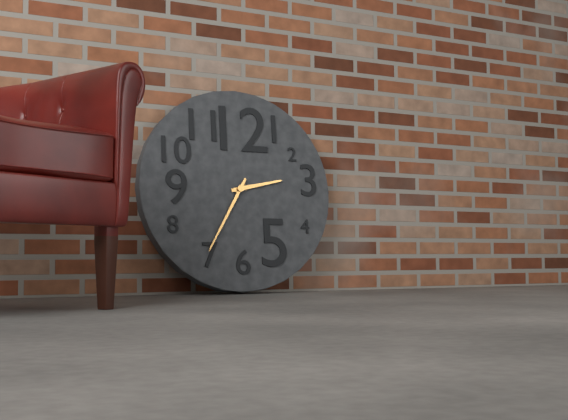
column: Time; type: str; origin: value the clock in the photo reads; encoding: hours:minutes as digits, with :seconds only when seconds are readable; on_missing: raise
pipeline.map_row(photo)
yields 2:35
